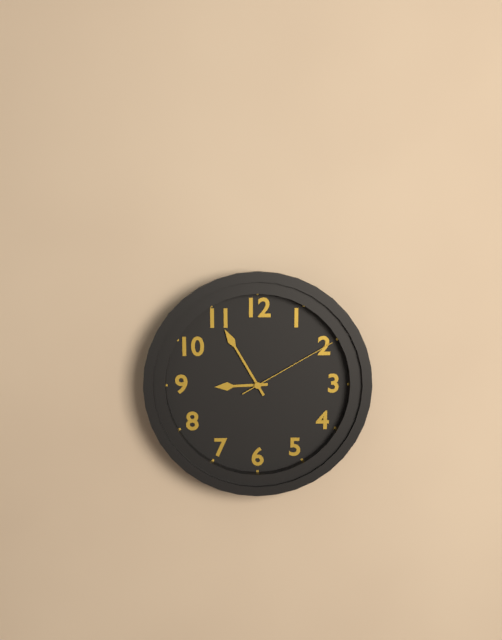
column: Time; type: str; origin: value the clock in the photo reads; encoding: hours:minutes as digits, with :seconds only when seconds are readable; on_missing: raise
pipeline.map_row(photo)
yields 8:55:10
